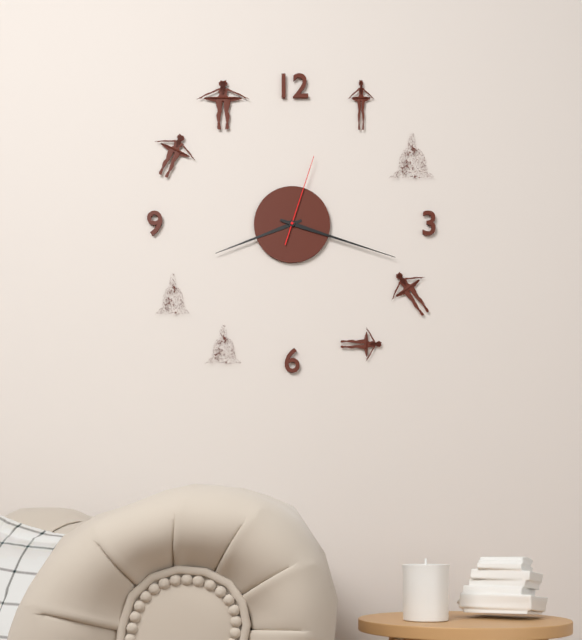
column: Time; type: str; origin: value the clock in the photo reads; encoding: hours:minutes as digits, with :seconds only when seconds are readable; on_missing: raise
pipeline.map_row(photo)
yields 8:18:03
